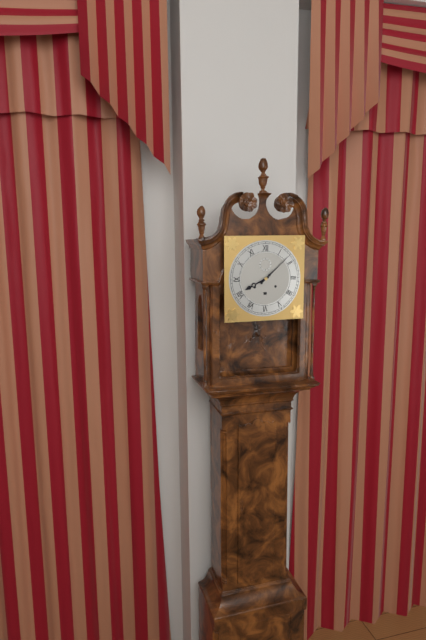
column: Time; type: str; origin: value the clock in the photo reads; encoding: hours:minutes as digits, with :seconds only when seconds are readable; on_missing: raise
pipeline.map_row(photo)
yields 8:08
